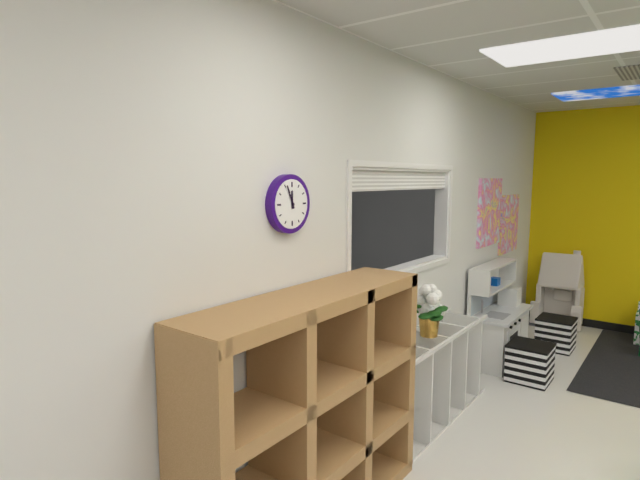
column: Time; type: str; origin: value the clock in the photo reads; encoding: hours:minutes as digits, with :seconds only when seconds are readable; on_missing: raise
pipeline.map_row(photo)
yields 11:56
